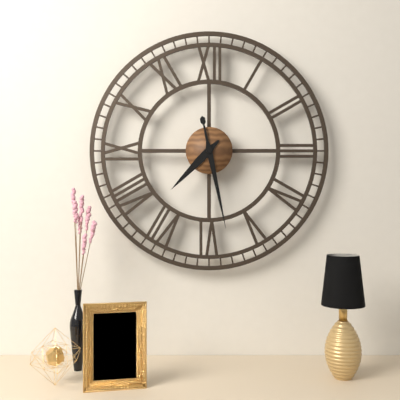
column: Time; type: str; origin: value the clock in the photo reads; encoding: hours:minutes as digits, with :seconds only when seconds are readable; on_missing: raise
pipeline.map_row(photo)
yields 7:28
